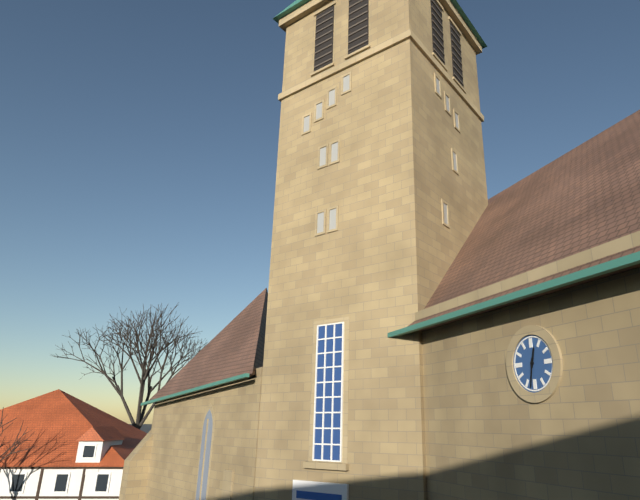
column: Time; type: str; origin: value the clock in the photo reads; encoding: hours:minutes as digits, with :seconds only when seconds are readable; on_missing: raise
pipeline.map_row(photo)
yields 12:32
